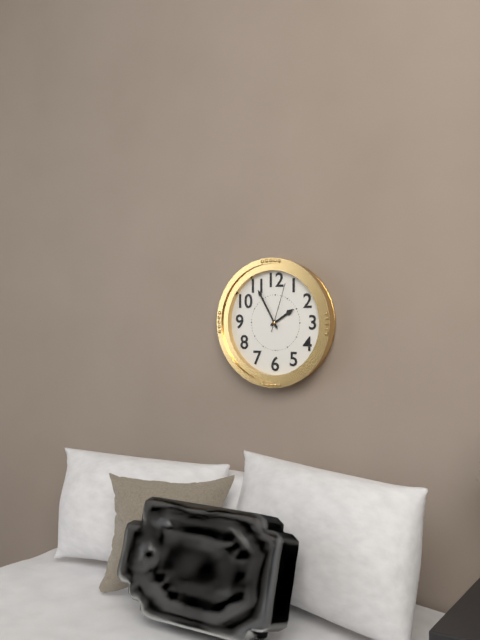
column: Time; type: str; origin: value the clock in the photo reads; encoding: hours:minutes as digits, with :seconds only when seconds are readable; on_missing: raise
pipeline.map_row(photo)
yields 1:55:03
